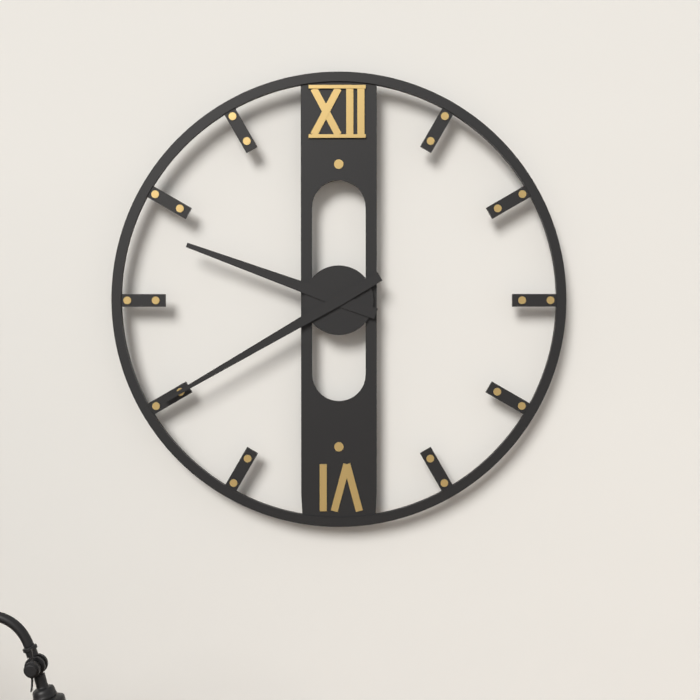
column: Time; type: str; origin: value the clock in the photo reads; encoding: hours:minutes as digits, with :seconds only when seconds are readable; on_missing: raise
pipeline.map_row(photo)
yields 9:40
